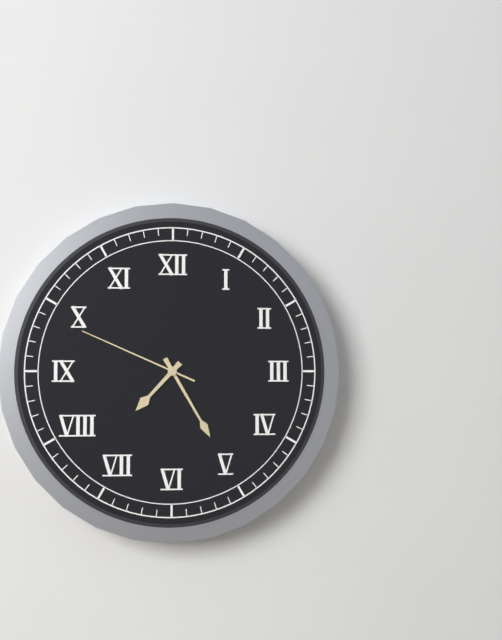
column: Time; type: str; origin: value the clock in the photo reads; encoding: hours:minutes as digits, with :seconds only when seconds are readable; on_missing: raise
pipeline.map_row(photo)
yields 7:25:49
